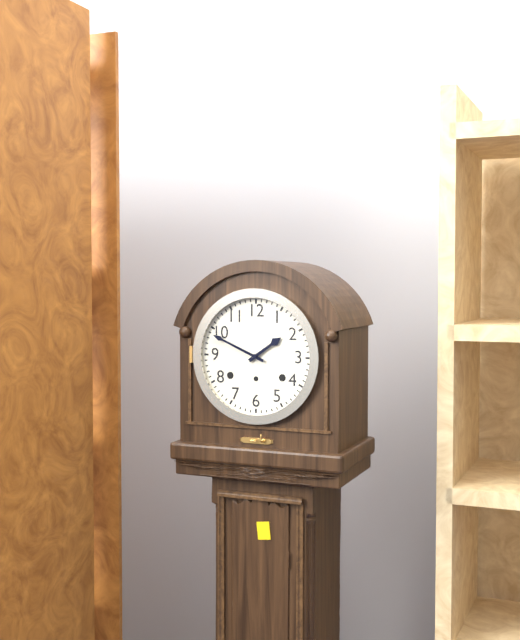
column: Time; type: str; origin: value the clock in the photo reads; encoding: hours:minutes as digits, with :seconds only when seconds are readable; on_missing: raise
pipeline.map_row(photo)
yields 1:49
